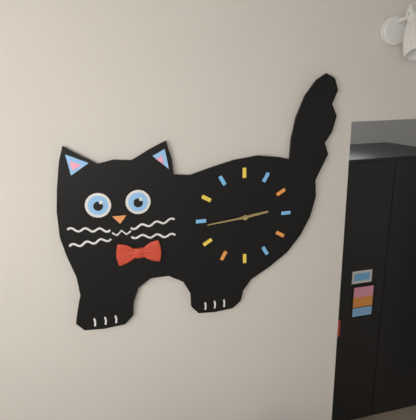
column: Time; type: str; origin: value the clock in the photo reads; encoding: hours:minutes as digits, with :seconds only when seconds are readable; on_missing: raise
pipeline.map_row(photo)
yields 2:44
